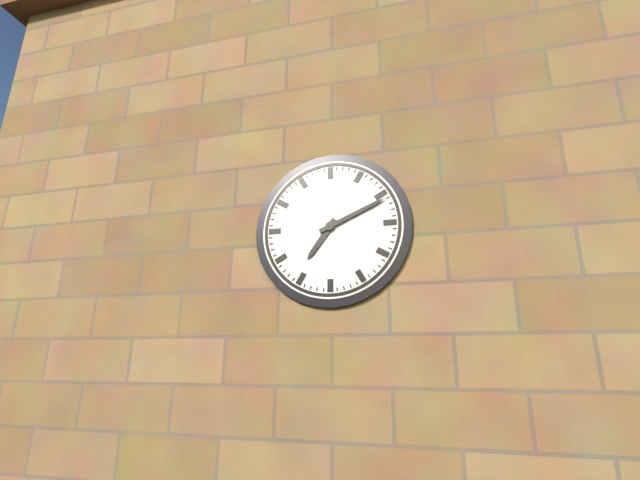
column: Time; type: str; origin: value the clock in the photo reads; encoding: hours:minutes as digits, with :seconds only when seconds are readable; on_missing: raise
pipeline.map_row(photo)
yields 7:11
